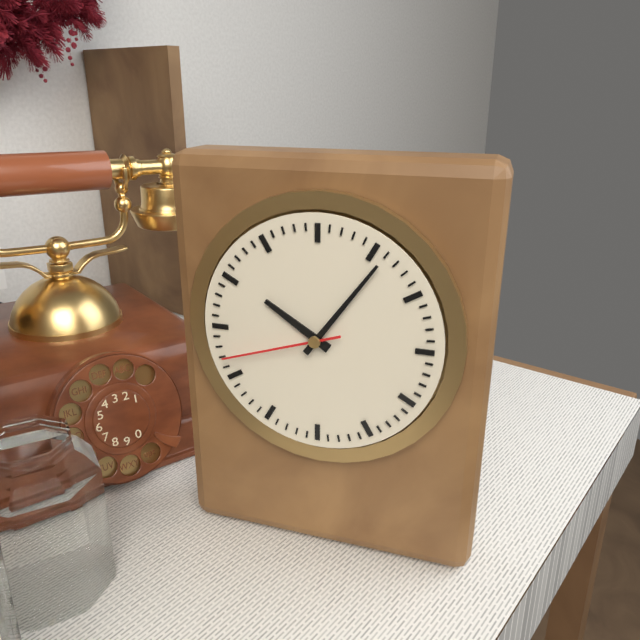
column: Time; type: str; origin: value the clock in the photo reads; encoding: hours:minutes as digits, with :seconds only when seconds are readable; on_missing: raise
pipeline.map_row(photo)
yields 10:06:42
